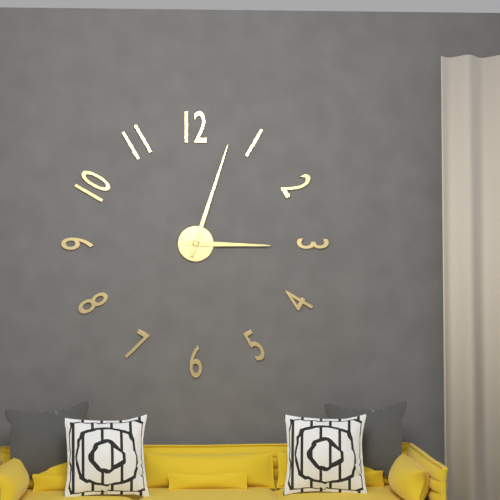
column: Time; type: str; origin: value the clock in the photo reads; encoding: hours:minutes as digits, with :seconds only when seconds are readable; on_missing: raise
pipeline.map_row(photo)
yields 3:03
